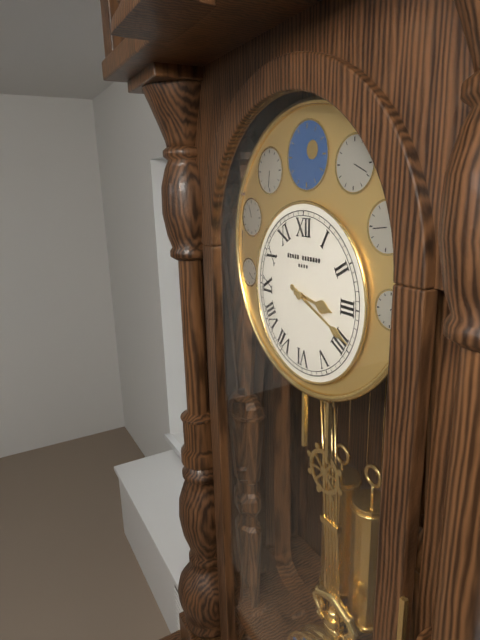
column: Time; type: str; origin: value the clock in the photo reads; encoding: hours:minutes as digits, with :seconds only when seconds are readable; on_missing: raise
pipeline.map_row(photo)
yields 3:19
